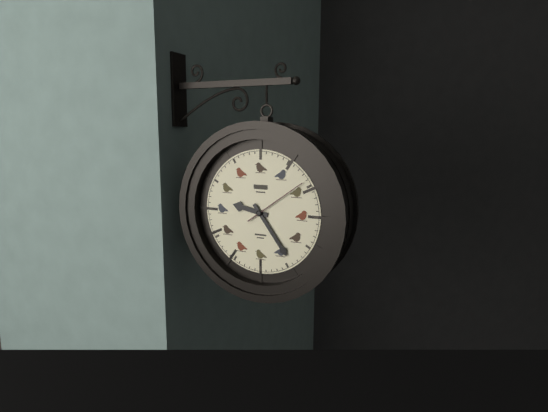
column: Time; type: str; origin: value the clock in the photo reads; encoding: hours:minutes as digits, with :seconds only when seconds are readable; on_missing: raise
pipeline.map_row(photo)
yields 9:24:09
